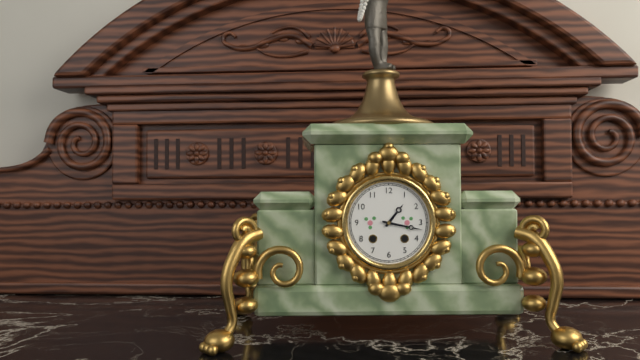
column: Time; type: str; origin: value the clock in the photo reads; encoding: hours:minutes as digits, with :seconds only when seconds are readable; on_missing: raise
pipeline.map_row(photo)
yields 1:17
